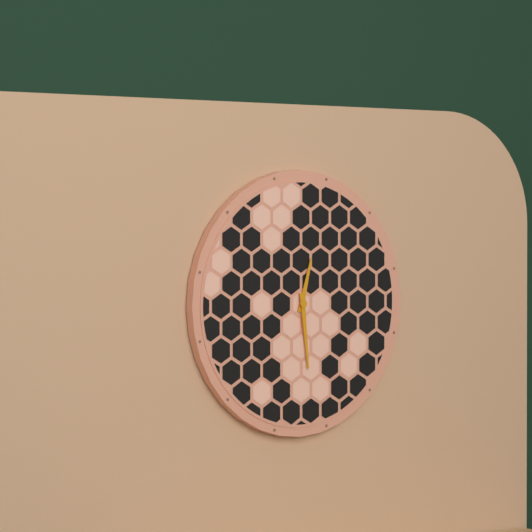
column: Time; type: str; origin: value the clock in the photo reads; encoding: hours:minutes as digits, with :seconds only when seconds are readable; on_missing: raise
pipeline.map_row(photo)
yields 12:29
